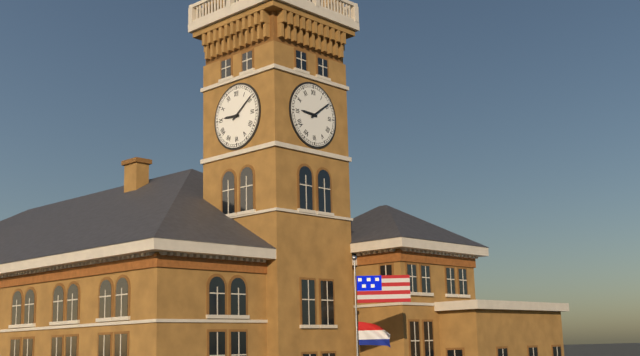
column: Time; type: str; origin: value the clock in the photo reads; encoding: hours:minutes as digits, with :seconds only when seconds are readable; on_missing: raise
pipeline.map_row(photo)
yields 9:09
